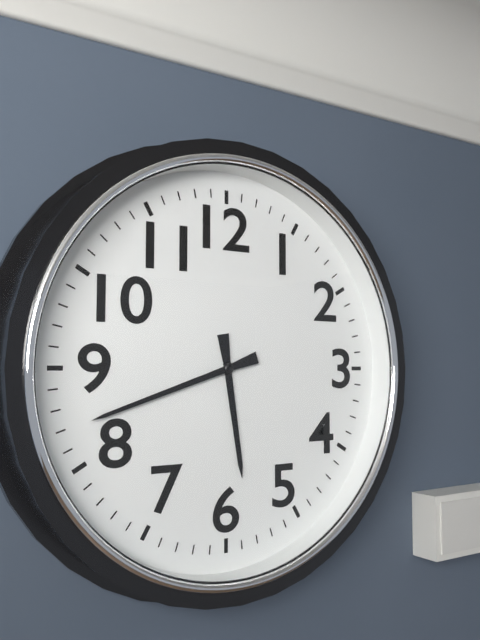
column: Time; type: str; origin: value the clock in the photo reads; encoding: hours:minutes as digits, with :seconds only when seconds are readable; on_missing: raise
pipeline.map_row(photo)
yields 5:42
